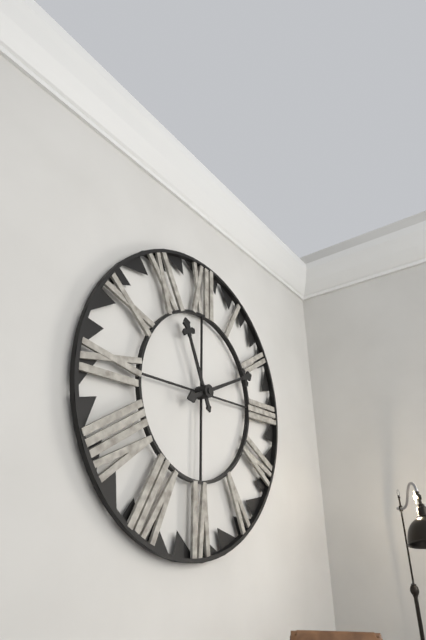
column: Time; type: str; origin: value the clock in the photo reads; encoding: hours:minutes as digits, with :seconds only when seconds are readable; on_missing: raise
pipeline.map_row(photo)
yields 11:11
